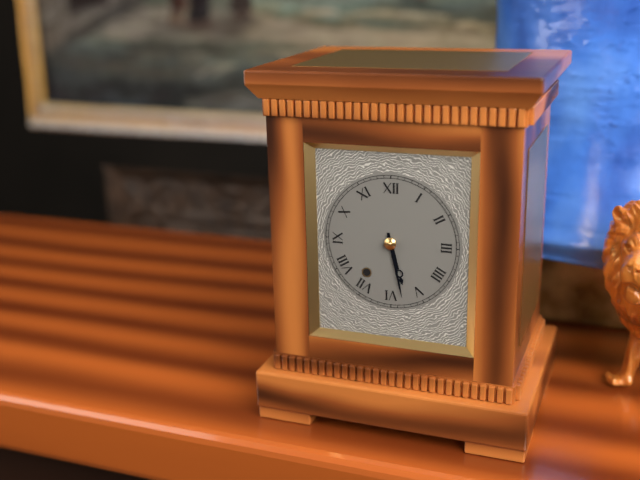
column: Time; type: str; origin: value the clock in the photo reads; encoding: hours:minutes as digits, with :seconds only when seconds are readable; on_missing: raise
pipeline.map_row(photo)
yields 5:28
